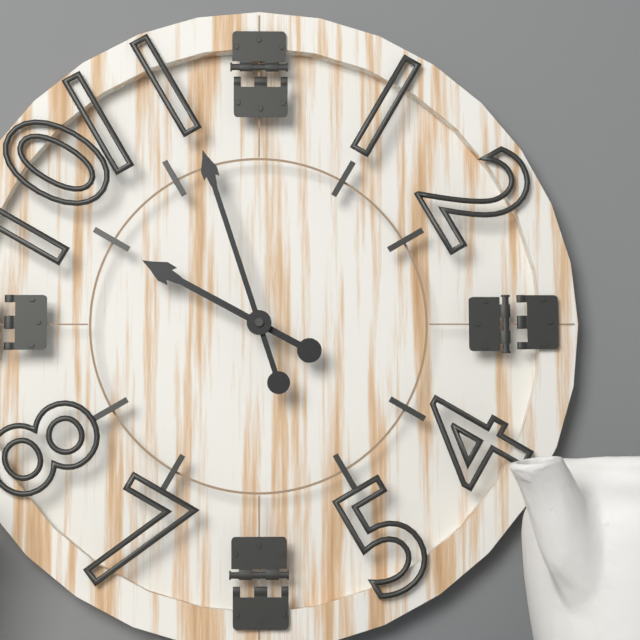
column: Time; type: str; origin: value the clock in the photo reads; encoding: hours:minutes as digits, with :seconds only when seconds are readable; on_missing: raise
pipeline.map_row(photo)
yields 9:57
